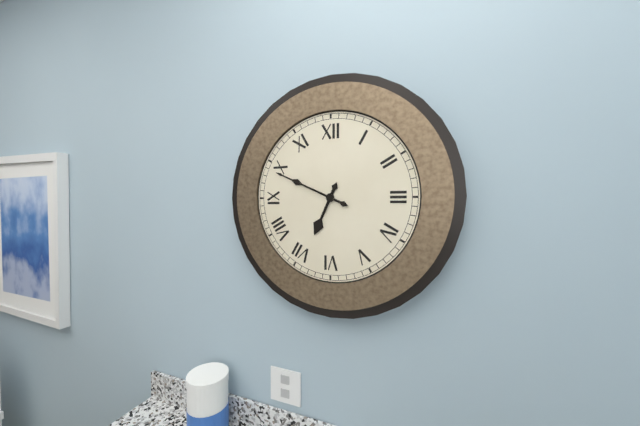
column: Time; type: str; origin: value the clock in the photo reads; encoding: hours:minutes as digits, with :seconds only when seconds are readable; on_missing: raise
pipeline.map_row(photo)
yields 6:49
